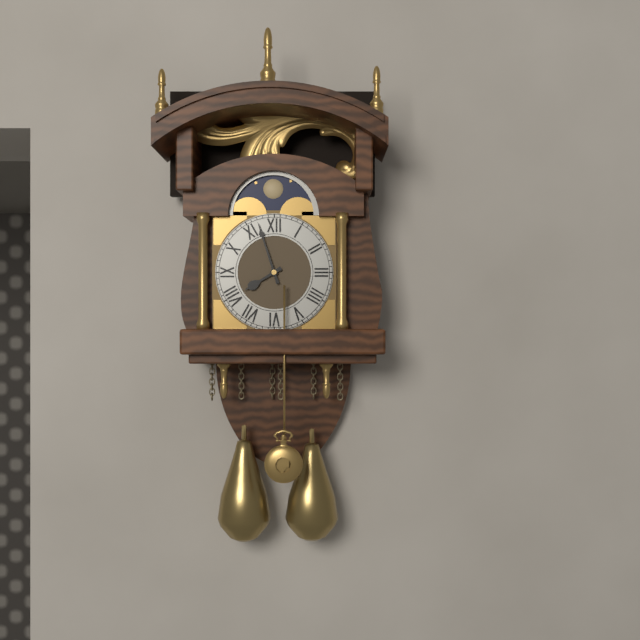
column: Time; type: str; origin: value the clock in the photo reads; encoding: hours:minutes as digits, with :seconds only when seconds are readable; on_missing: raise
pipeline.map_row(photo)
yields 7:57
